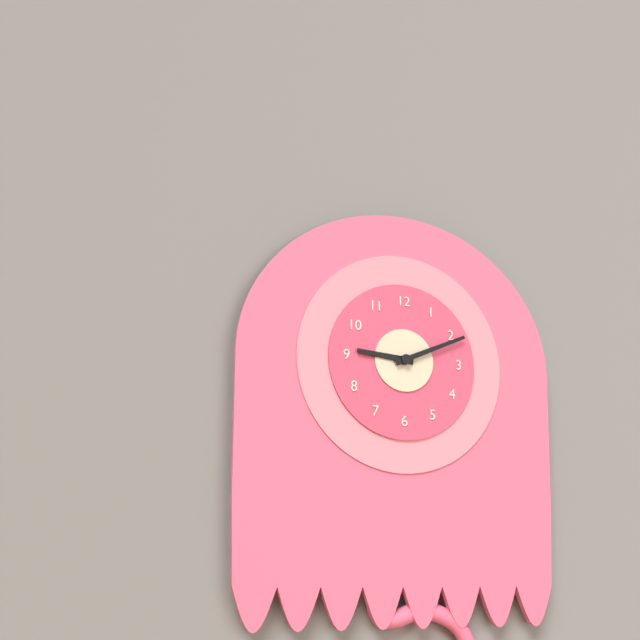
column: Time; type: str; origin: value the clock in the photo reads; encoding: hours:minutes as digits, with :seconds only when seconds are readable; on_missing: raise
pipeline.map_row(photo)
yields 9:11
